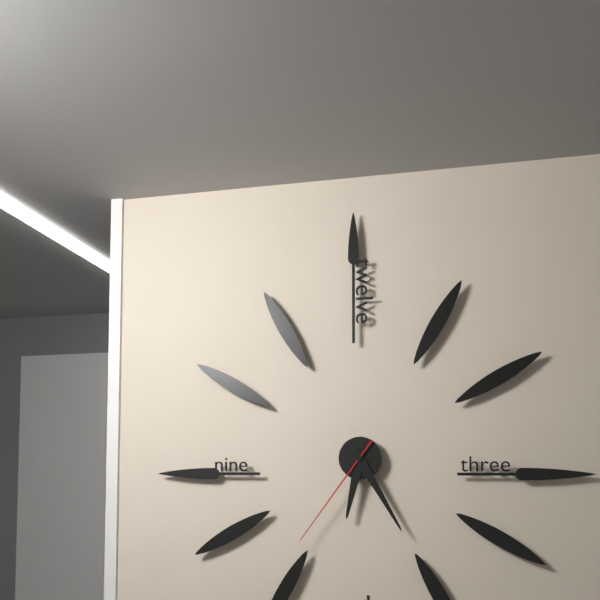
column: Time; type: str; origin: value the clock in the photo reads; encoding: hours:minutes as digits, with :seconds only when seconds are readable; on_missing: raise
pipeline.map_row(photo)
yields 6:25:36
